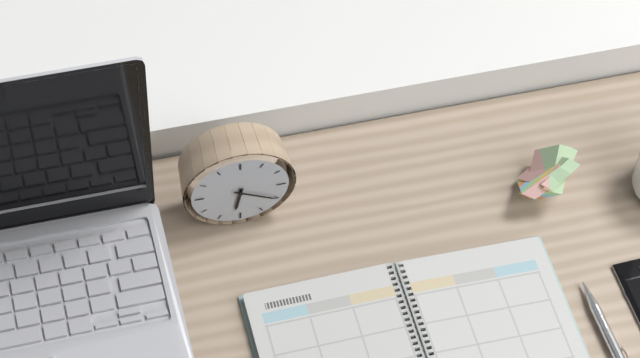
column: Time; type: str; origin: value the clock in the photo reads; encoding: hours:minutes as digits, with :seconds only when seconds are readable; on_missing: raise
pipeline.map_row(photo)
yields 6:20
